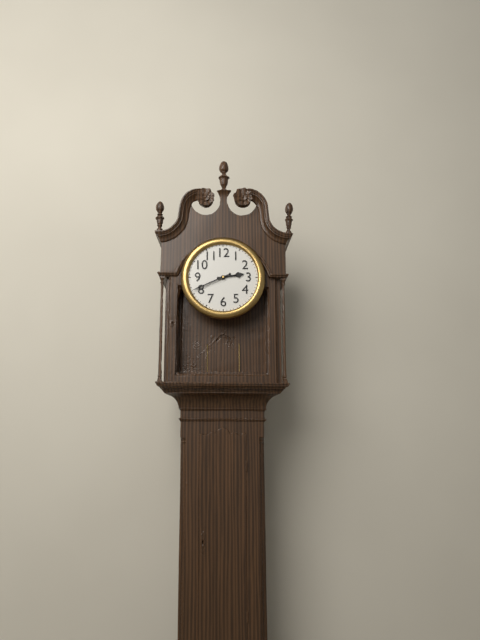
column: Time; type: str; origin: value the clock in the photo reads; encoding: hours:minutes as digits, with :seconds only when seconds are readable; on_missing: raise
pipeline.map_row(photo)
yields 2:41
